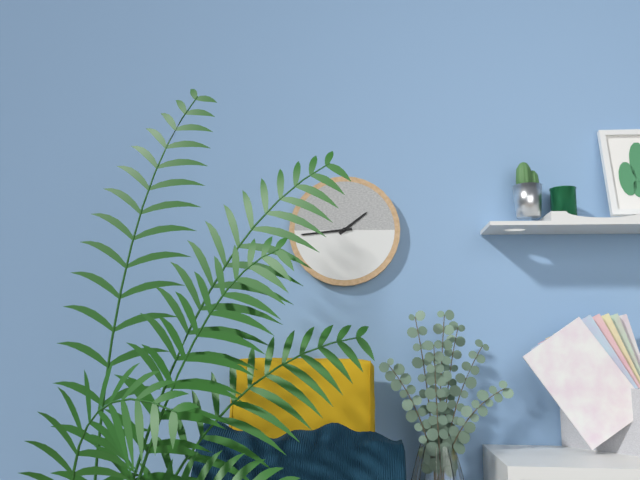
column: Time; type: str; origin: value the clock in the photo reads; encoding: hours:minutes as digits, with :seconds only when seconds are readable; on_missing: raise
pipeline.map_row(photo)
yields 1:44
